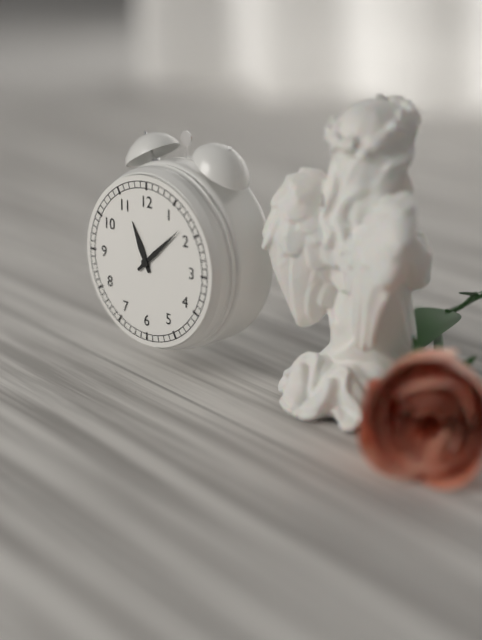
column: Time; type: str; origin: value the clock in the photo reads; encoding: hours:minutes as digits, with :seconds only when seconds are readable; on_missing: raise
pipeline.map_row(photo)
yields 11:08
